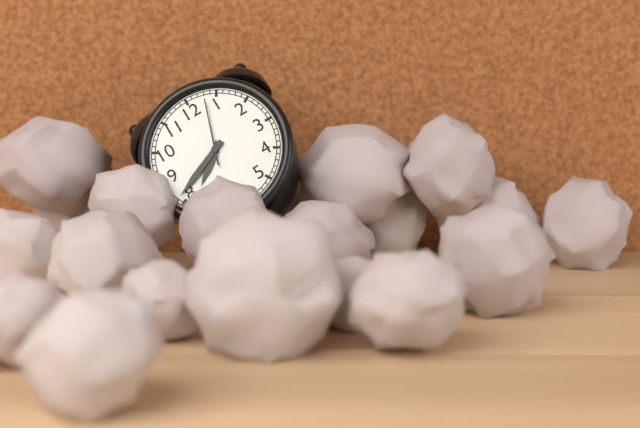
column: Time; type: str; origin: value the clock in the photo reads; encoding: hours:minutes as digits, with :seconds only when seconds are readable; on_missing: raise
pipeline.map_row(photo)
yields 7:41:03
